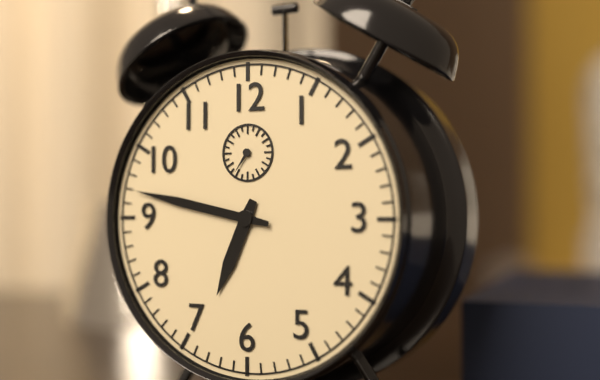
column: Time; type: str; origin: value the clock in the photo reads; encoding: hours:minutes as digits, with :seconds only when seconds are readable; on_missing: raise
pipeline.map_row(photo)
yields 6:47
